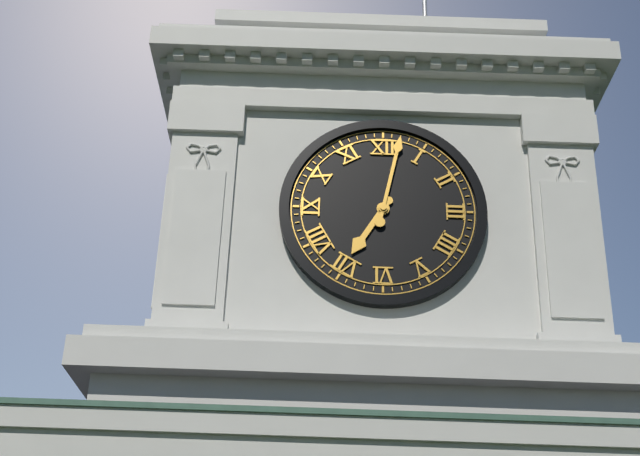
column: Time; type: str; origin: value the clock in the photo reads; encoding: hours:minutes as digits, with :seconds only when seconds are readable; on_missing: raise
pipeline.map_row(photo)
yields 7:02
